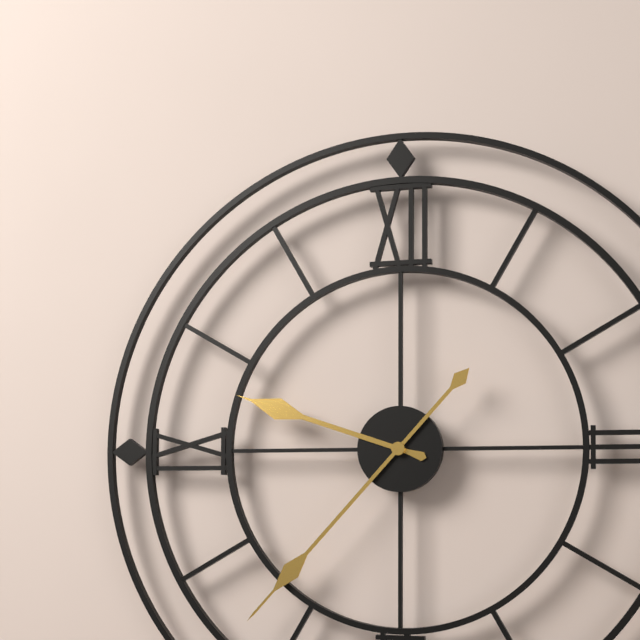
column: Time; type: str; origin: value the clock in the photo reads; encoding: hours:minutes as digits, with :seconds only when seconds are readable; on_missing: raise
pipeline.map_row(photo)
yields 9:37
